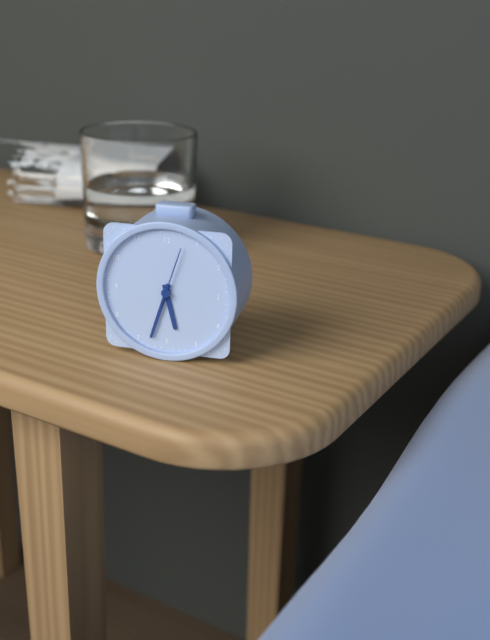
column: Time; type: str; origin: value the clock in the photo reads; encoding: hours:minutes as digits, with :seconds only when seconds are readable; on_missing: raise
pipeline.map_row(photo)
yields 5:33:03
